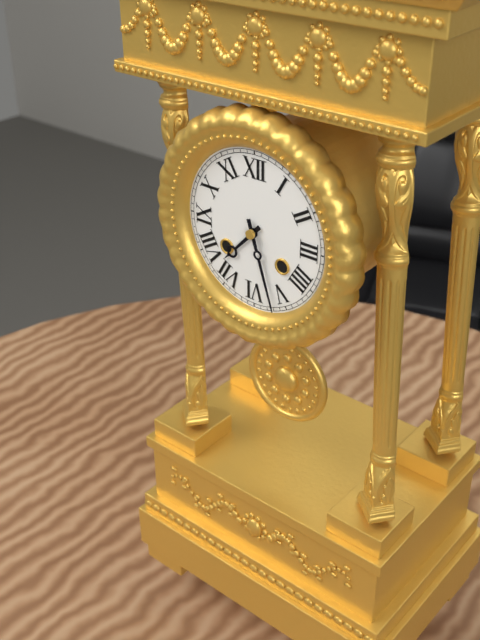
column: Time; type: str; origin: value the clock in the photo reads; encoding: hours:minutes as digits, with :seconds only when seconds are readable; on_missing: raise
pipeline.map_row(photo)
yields 7:27
